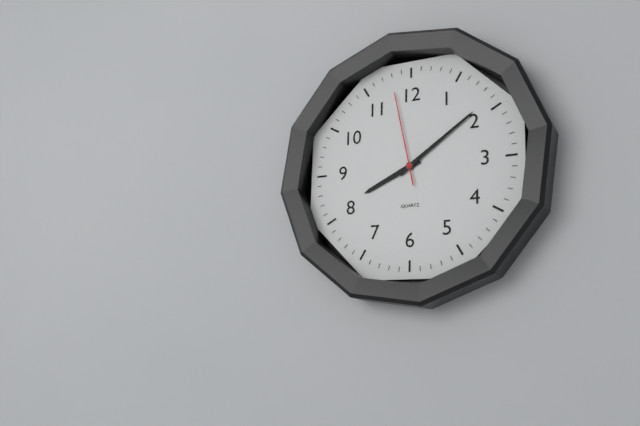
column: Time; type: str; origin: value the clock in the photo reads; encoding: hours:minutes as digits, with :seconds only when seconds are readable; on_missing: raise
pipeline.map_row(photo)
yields 8:09:58
